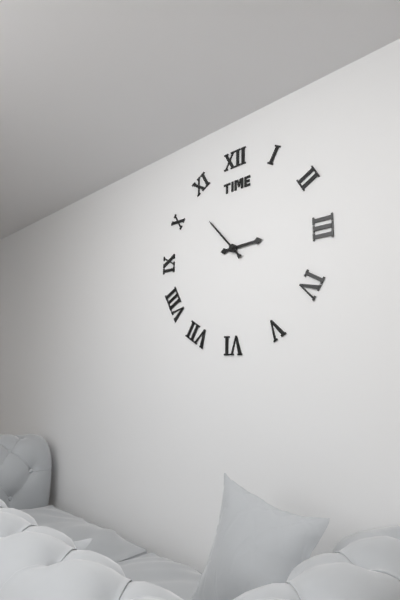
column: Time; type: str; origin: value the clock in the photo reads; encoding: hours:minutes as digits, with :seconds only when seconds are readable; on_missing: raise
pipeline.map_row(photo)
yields 2:53
